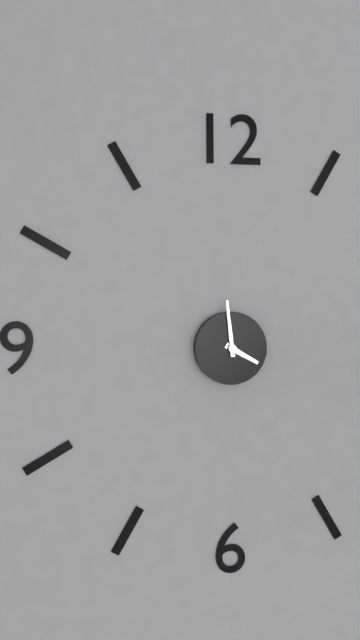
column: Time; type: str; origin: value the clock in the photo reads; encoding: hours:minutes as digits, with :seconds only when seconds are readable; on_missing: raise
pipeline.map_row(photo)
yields 3:59
